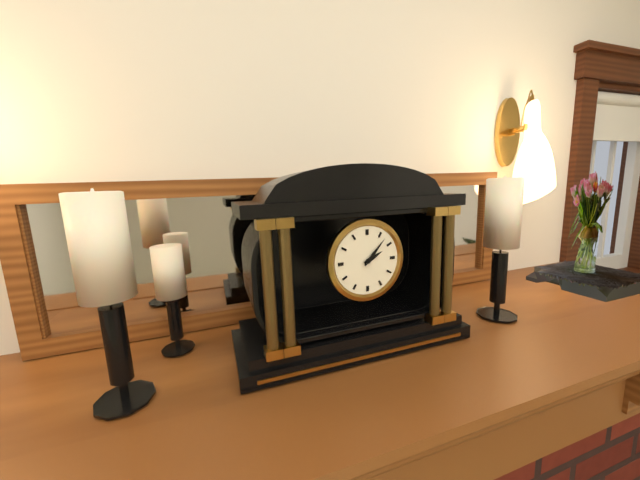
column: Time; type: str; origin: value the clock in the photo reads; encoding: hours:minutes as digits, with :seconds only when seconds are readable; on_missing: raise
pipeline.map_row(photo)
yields 2:07
